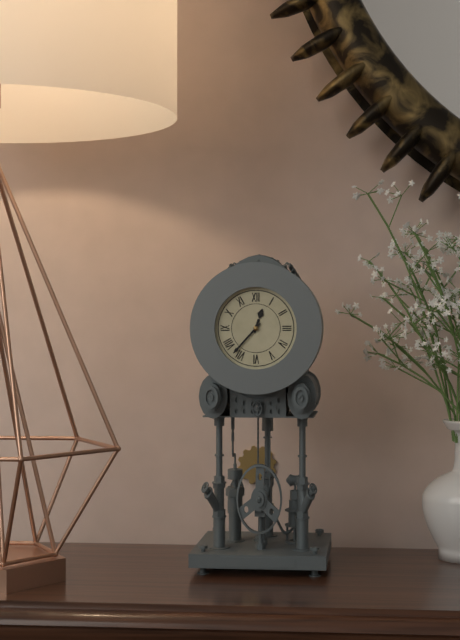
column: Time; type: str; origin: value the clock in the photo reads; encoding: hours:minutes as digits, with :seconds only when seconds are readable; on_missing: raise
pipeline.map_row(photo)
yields 12:37
